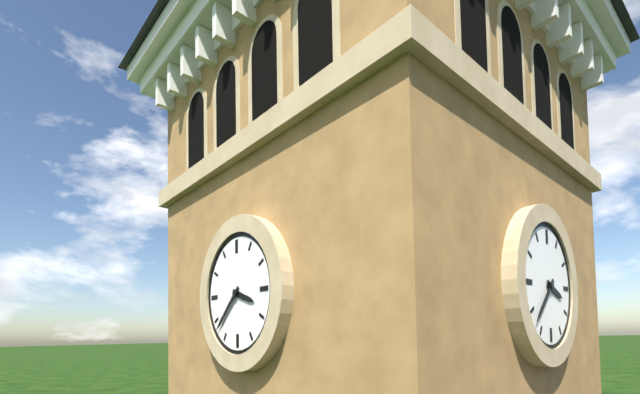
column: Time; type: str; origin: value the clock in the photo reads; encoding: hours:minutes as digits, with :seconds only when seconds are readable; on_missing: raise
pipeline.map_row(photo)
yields 3:38
